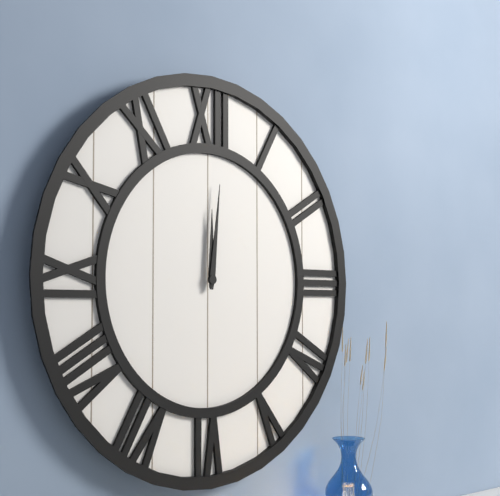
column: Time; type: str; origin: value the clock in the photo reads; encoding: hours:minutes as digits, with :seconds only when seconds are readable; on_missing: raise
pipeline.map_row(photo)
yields 12:01
